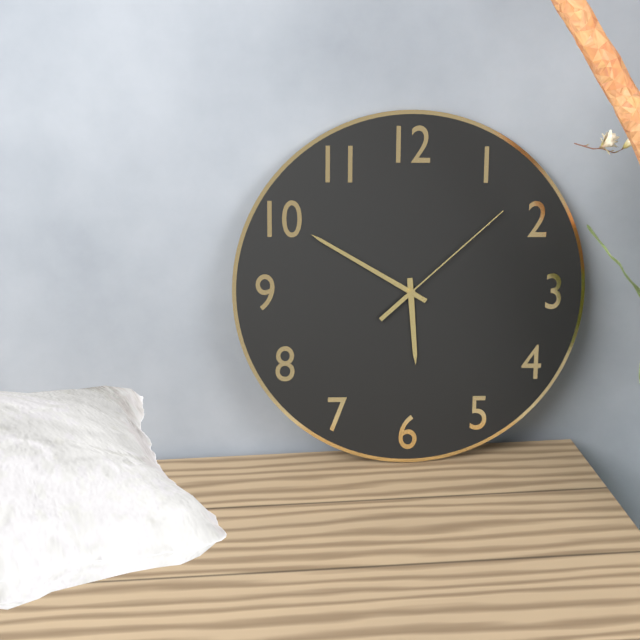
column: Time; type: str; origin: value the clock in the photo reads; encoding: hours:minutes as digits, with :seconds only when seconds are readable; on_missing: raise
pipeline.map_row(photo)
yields 5:50:08
